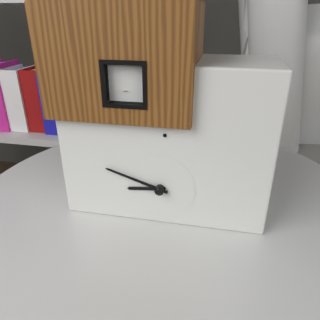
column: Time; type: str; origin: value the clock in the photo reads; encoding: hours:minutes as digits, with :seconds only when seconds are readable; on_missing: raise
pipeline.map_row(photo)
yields 8:48
